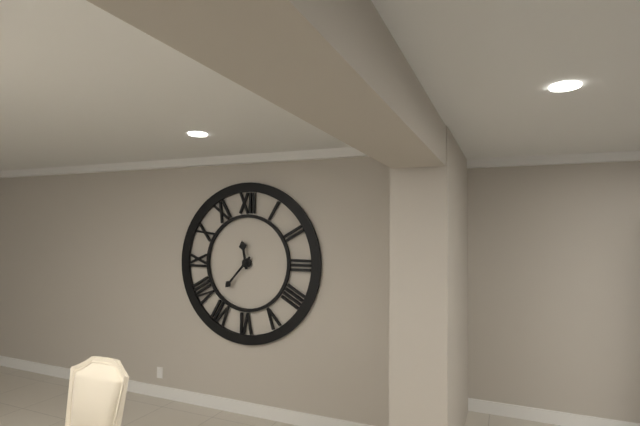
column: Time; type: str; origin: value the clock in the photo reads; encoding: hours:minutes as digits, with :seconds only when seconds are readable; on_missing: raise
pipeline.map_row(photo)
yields 11:37
